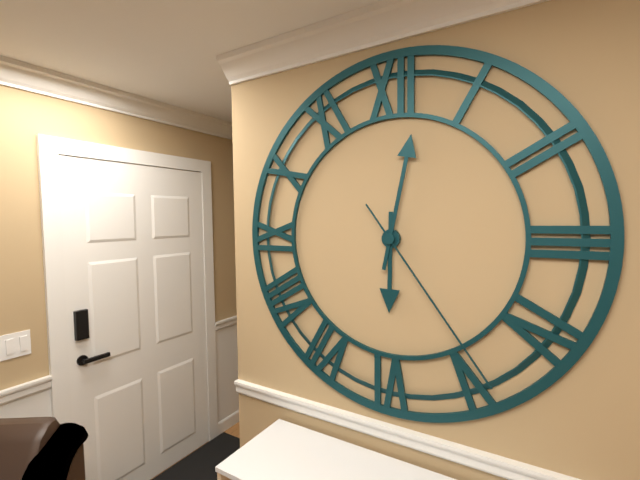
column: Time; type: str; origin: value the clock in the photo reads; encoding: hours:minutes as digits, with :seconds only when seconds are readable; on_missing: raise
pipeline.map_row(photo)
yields 6:02:24
